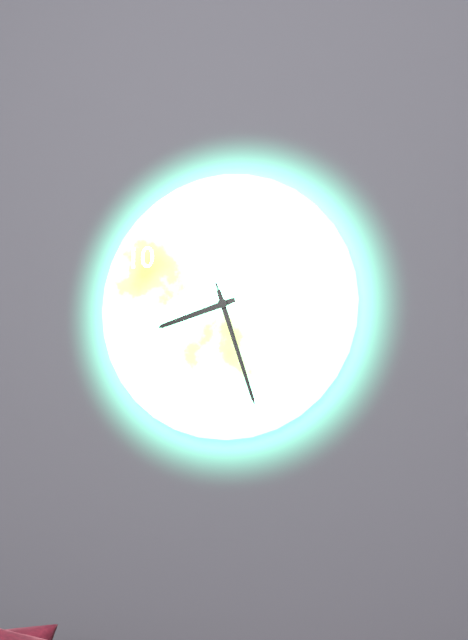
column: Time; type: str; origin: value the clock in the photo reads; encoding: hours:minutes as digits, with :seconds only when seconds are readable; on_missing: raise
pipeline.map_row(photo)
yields 8:27:27
